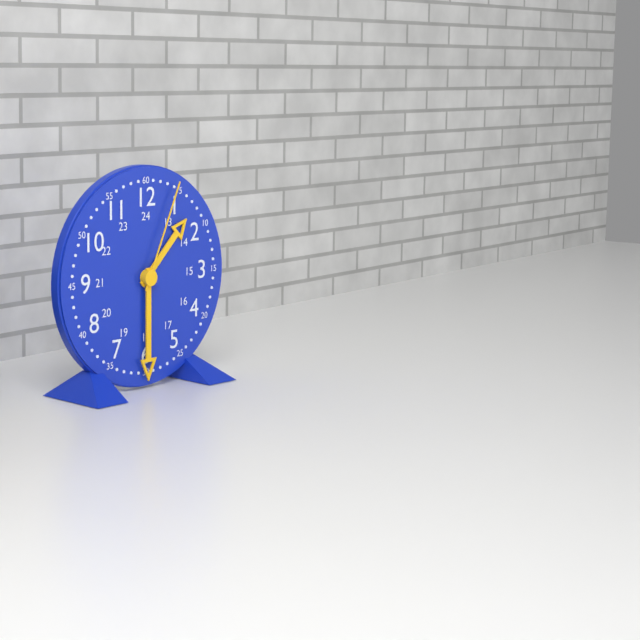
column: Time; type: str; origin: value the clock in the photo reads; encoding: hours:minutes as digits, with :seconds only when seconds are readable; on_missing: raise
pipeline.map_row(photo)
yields 1:30:04
